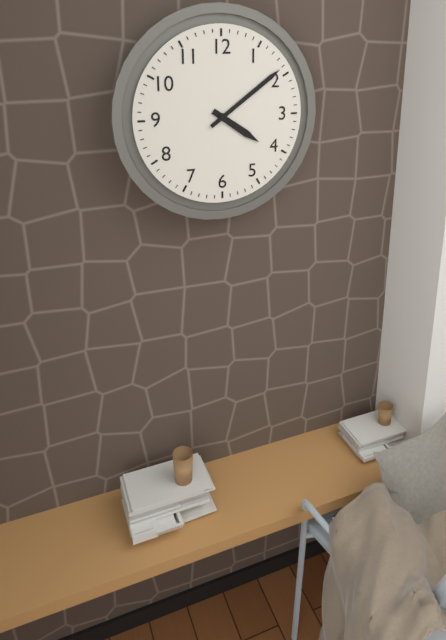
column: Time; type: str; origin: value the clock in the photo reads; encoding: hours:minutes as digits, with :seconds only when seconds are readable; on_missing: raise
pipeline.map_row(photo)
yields 4:09
